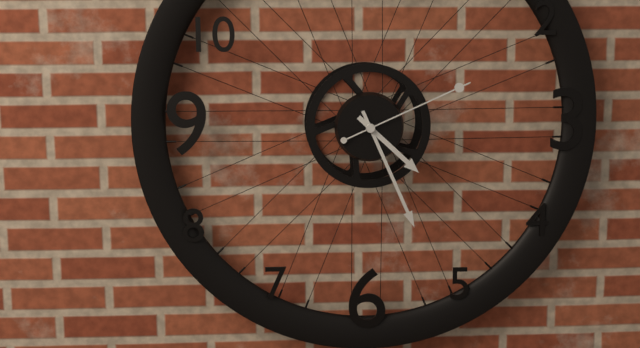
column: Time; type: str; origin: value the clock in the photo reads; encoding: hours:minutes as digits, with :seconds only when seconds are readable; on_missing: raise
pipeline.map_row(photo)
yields 4:26:11
